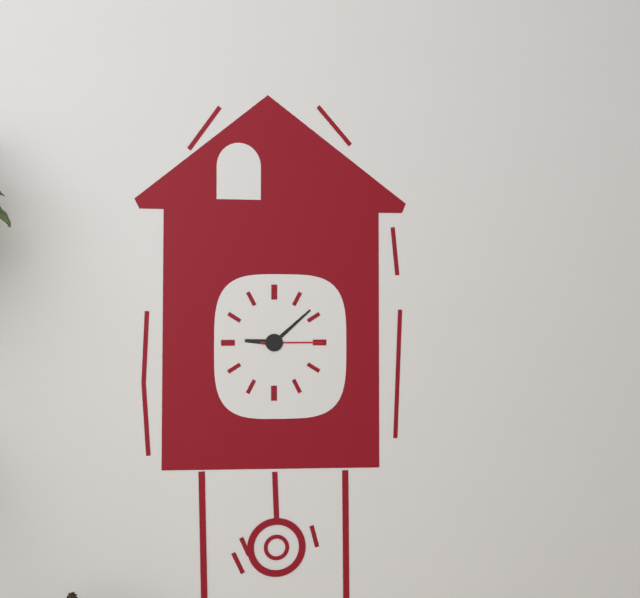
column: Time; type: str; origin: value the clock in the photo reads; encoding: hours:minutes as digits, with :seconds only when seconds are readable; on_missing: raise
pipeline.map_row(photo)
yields 9:08:15
